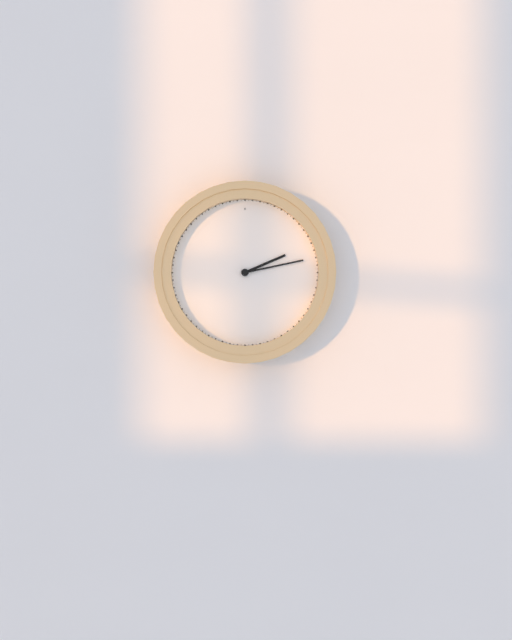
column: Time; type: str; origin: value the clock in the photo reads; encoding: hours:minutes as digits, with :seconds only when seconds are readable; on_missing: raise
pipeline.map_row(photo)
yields 2:13
